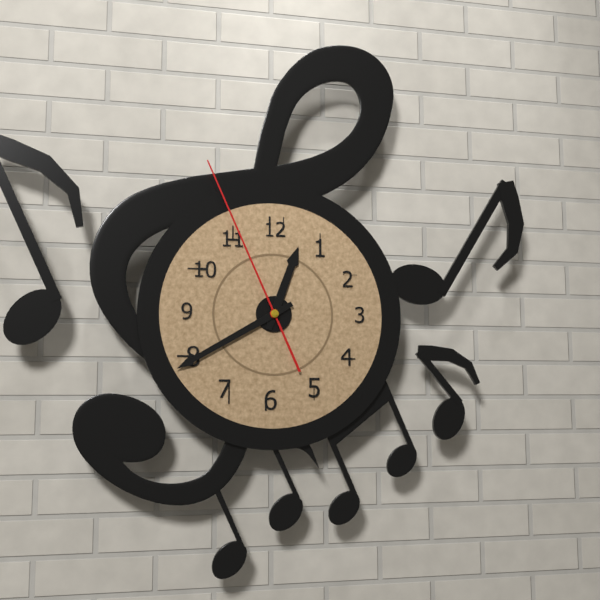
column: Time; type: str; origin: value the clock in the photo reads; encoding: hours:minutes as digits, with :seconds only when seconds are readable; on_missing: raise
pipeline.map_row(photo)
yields 12:40:56
